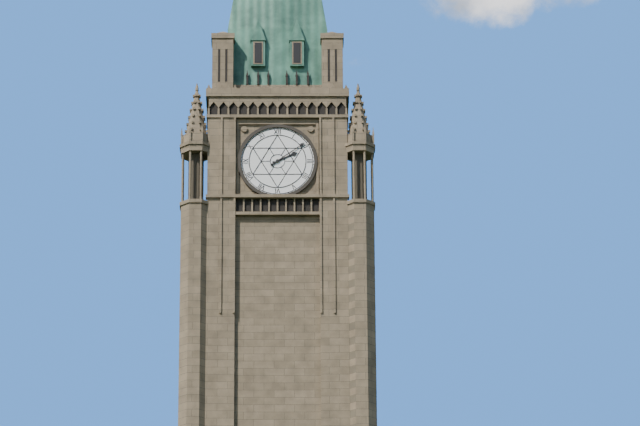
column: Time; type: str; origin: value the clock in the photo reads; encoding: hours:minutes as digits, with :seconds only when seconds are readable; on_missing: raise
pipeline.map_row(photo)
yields 2:09
